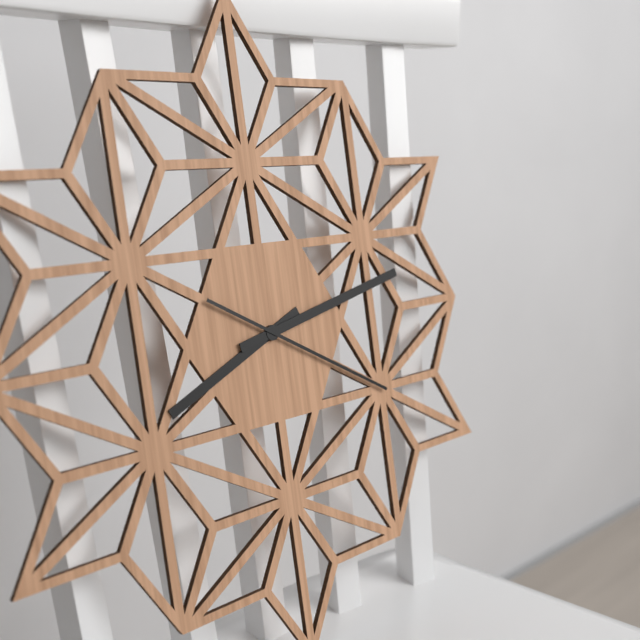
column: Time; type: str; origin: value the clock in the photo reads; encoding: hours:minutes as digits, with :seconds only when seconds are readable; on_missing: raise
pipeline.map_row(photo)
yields 8:13:20
